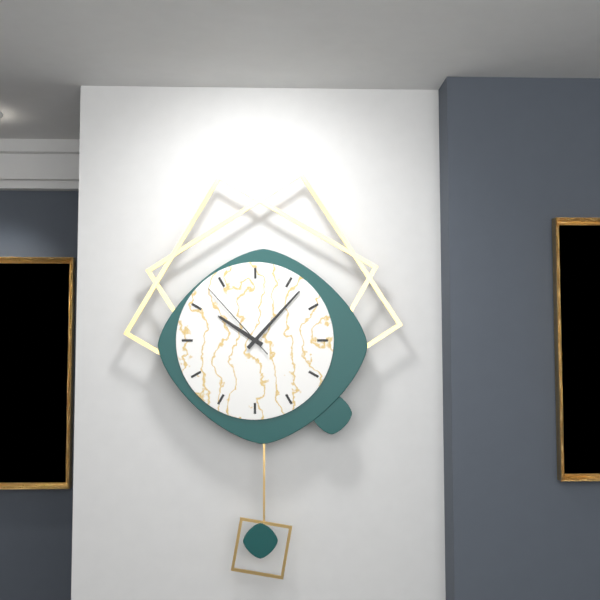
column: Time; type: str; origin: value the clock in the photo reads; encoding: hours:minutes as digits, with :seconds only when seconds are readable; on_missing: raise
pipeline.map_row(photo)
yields 10:07:53
